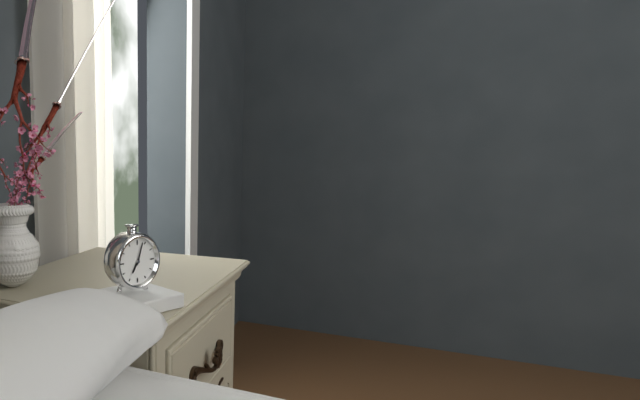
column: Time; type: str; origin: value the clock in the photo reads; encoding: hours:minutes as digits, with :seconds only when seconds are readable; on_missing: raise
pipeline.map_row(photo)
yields 7:03
